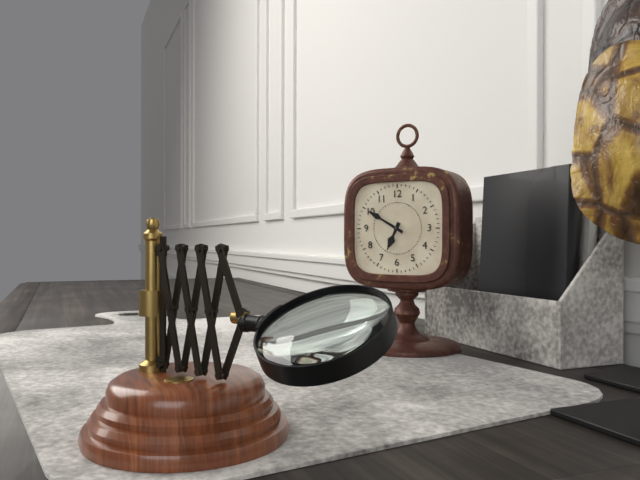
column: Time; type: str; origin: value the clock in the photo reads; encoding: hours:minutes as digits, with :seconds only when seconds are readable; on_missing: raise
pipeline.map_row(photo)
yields 6:50
